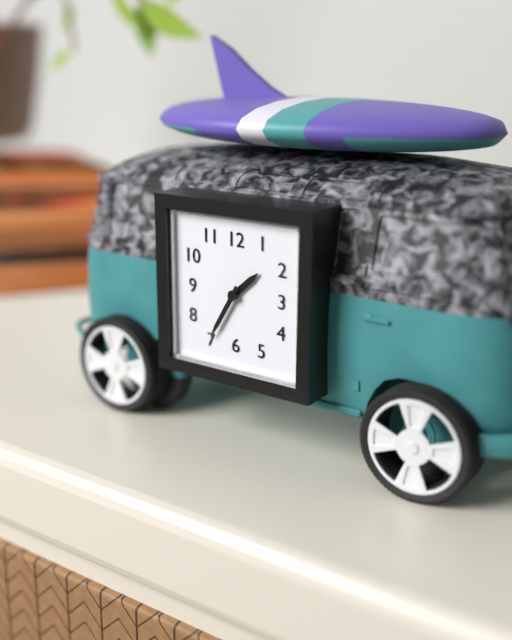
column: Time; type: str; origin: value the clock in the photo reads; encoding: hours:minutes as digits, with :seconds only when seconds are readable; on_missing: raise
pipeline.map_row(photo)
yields 1:35
